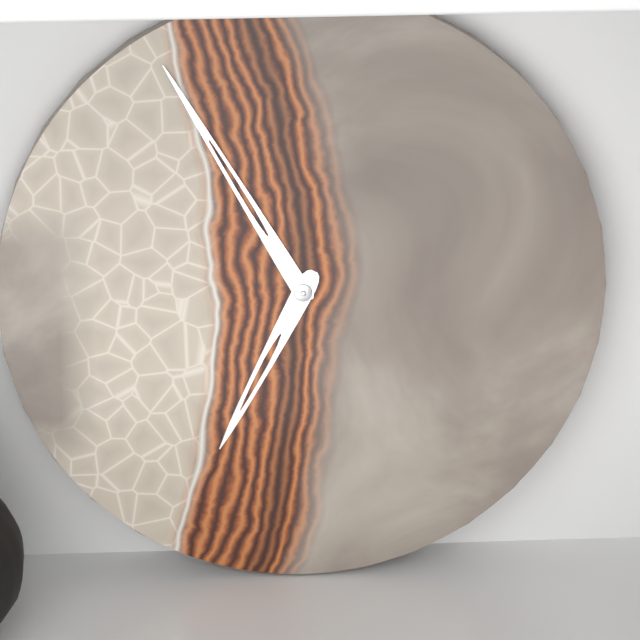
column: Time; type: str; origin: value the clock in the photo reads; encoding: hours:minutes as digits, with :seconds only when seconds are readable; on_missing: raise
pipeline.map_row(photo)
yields 6:55
